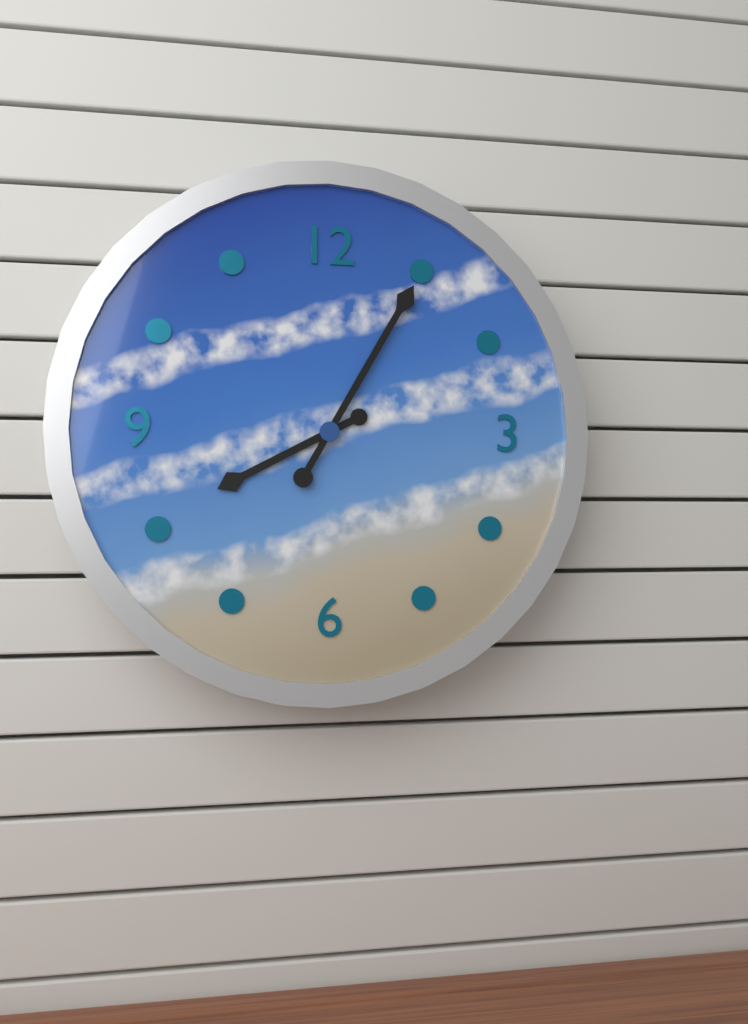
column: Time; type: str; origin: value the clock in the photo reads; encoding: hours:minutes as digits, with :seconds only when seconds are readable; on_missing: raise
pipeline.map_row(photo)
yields 8:05
